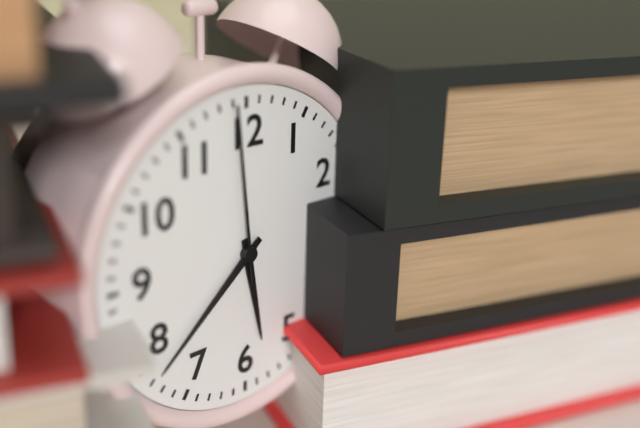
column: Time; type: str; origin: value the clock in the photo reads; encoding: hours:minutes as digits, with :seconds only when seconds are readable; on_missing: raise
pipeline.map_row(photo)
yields 5:38:59
